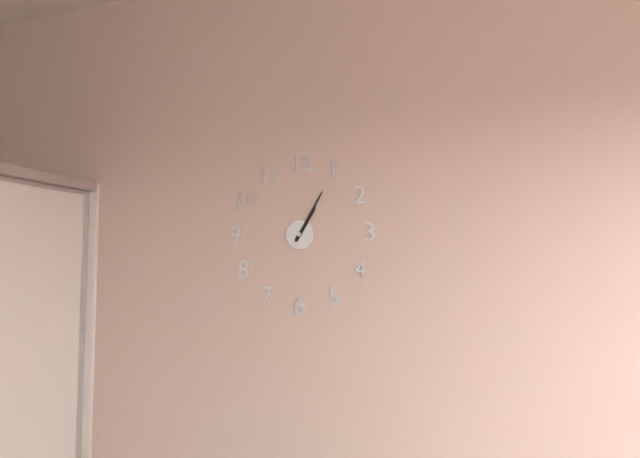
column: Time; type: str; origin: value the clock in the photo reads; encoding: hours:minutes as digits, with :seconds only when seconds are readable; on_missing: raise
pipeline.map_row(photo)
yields 1:05
